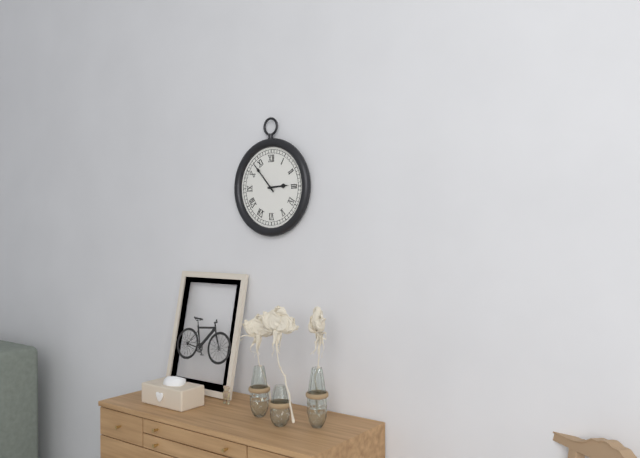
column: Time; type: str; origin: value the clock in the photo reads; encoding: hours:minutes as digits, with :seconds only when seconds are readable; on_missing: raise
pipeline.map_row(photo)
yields 2:53
